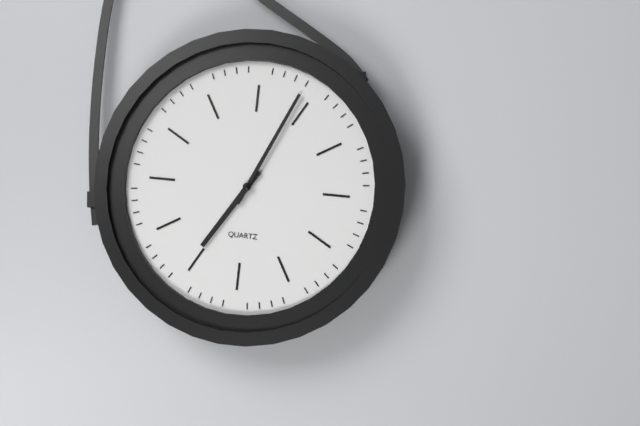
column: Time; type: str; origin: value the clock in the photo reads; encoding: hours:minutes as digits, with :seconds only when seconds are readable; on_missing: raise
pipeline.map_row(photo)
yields 7:04
